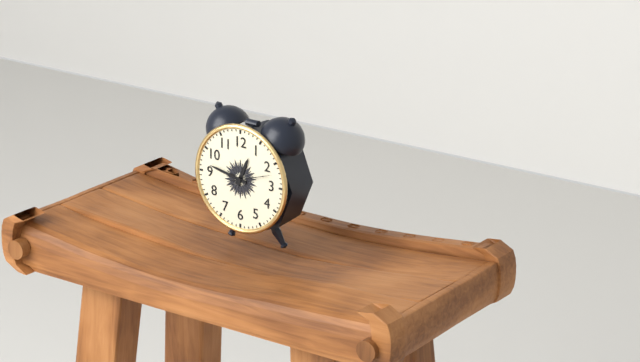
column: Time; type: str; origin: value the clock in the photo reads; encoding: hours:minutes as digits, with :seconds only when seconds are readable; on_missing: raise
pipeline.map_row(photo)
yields 12:47
